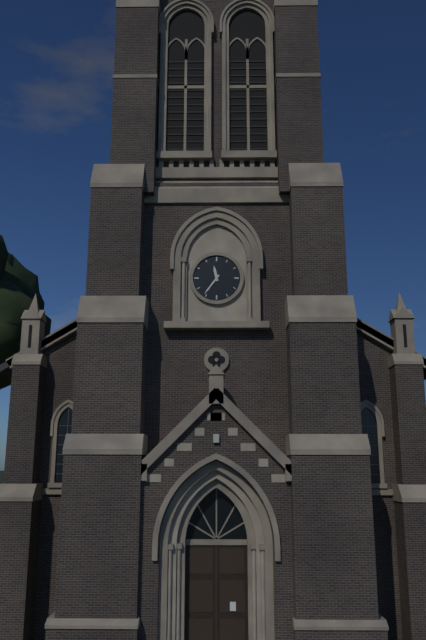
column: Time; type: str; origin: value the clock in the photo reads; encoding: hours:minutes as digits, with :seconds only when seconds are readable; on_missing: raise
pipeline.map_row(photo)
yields 11:36
